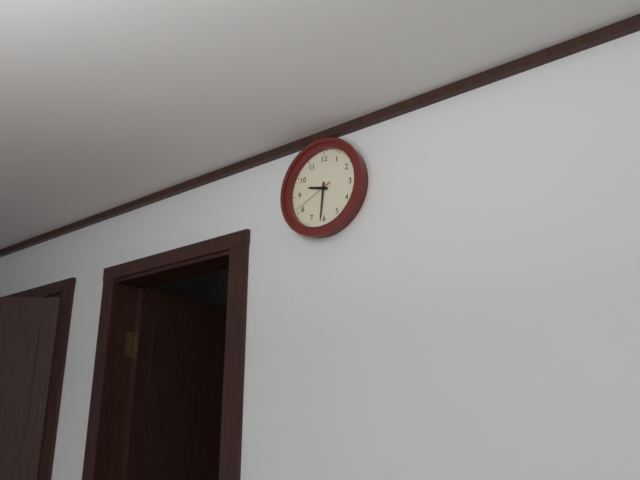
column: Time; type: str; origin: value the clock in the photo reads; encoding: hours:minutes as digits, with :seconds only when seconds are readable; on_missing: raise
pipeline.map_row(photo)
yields 9:31
